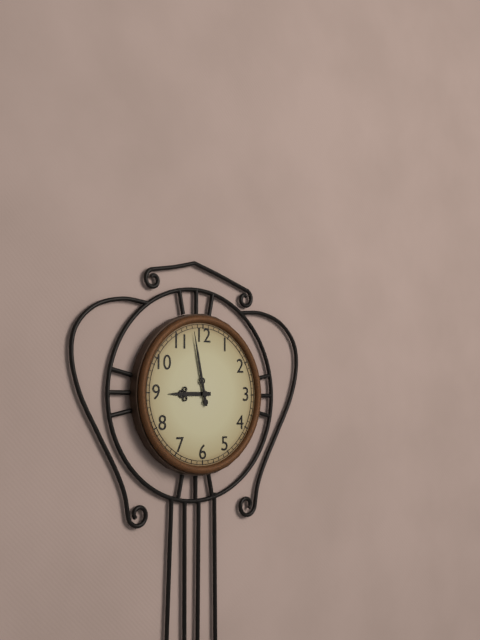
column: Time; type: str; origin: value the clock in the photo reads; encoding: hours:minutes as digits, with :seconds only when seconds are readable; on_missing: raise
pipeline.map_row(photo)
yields 8:58
